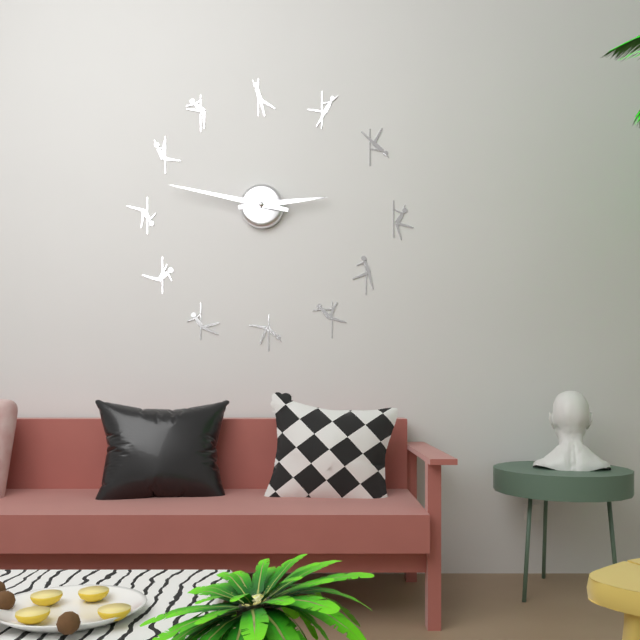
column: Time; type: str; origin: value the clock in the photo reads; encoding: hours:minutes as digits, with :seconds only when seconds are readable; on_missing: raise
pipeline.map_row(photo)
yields 2:47
